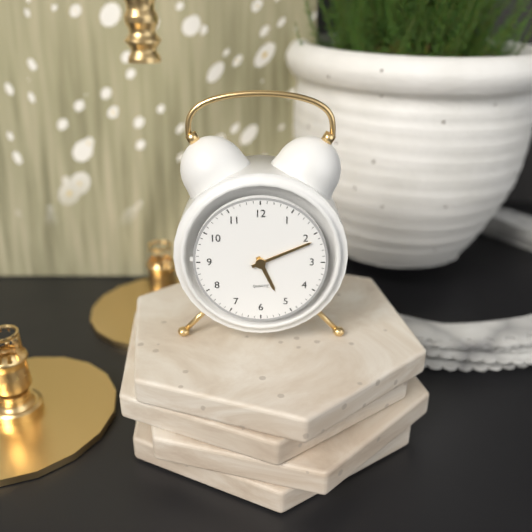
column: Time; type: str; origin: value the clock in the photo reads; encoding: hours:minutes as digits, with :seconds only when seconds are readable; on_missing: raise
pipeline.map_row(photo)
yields 5:11
